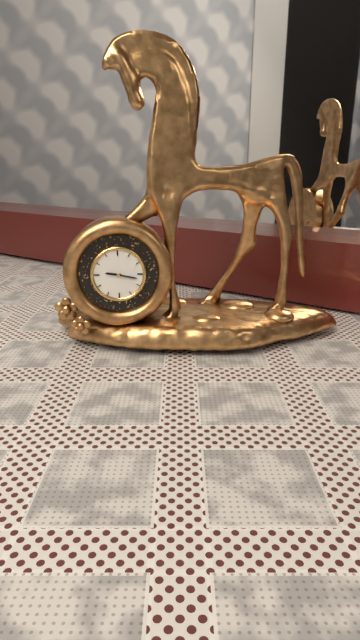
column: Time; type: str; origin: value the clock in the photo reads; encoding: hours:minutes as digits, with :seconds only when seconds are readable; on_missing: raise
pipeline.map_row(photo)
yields 9:17
